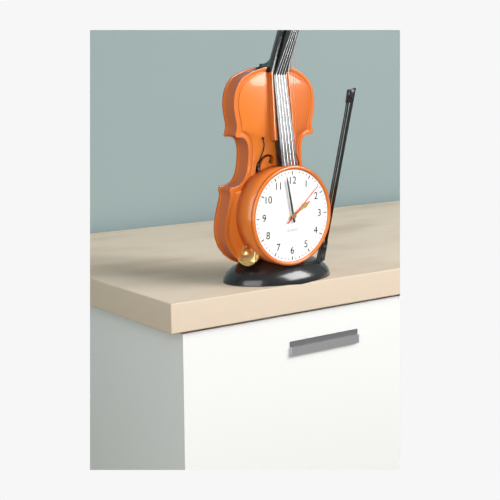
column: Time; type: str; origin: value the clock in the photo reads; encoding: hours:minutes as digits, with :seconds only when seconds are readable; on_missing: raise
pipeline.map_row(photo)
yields 1:58
